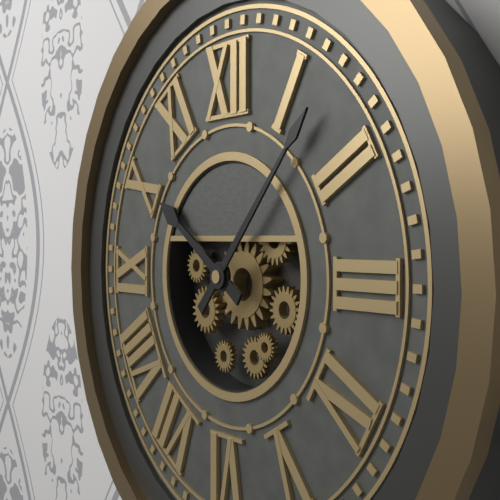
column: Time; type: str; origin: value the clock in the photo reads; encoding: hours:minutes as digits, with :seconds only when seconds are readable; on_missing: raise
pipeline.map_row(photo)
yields 10:07
